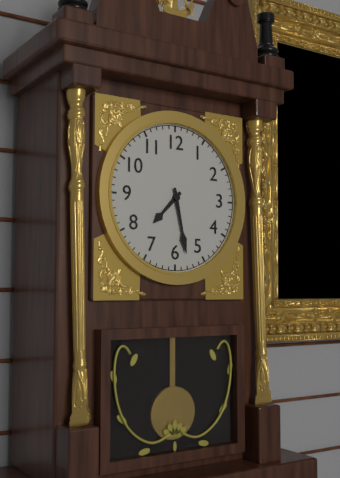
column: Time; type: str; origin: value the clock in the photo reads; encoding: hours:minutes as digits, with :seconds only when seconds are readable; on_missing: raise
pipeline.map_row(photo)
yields 7:28
